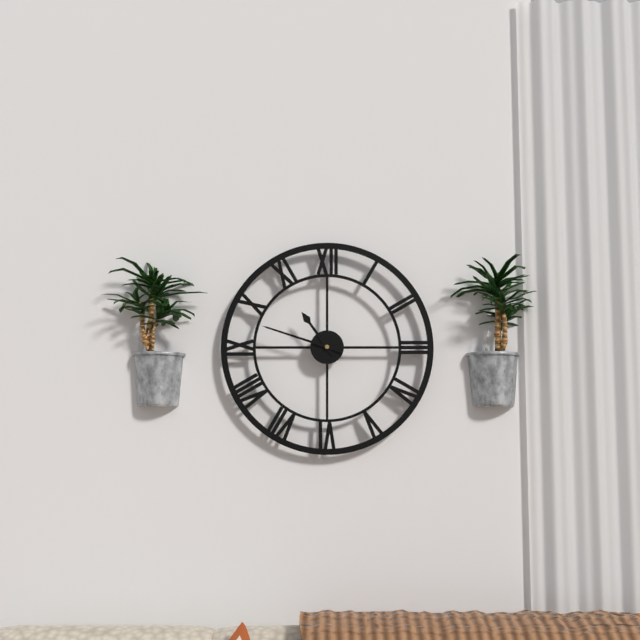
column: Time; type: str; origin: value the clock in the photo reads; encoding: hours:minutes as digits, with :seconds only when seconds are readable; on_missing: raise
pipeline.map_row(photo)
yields 10:48
